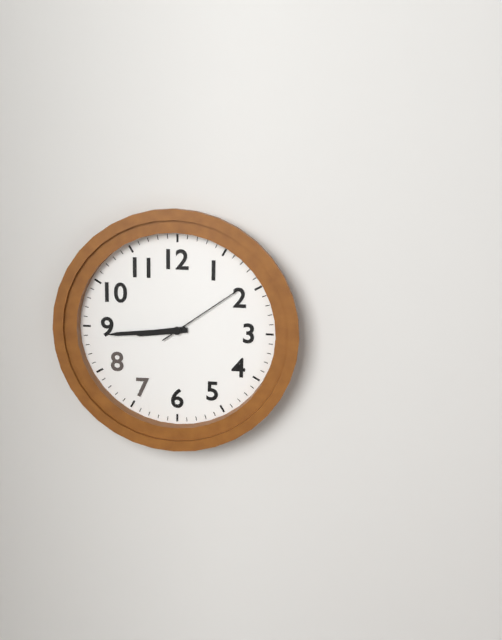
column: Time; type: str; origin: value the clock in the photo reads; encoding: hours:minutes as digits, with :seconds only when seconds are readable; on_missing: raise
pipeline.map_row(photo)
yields 8:44:09
